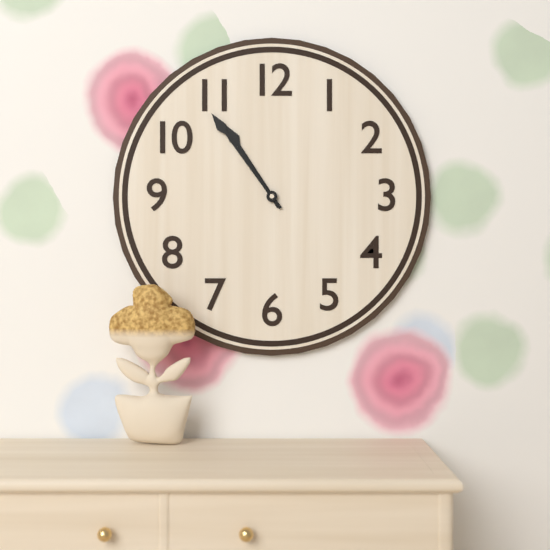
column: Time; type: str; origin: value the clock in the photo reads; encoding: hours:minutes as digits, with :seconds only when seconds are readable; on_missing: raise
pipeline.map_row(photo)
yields 10:54
